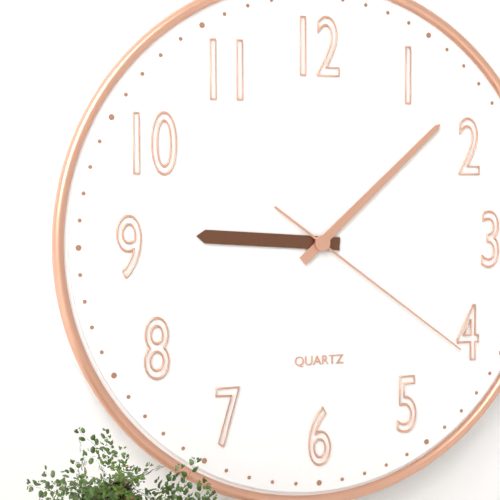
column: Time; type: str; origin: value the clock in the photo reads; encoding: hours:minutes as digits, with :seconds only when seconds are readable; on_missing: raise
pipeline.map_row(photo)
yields 9:08:21
